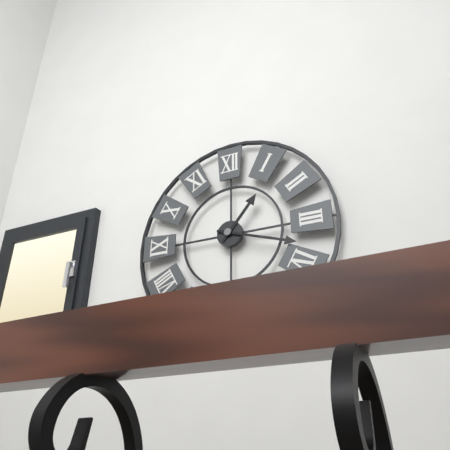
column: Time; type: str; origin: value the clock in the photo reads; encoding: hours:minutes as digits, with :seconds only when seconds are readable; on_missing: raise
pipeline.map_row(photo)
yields 1:18
